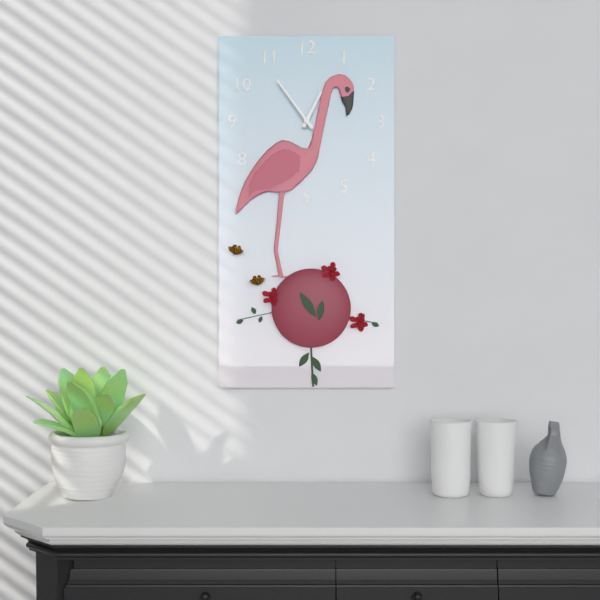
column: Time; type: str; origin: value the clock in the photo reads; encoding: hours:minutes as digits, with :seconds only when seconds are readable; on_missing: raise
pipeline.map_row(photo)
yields 12:54
